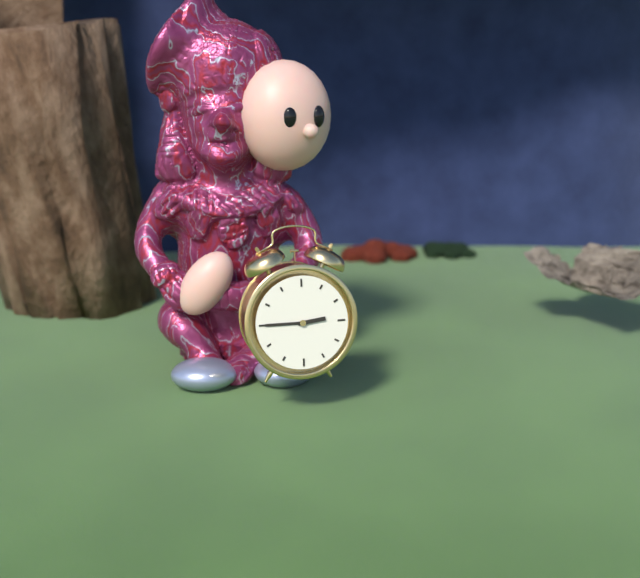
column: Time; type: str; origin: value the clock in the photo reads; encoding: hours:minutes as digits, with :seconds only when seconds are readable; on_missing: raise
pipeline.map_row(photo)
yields 2:45
